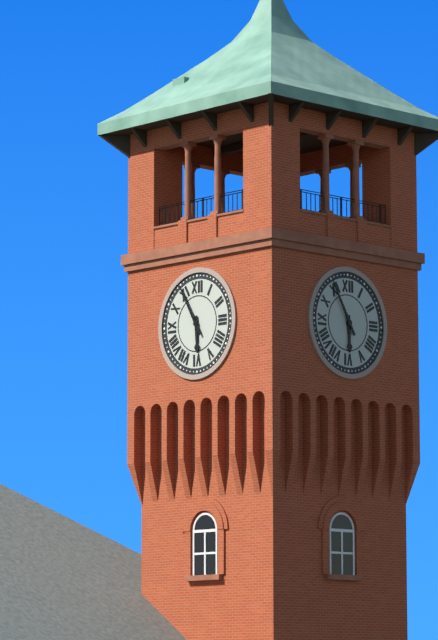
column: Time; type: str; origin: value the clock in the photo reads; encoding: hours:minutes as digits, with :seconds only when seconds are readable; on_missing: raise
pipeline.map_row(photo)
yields 5:55
